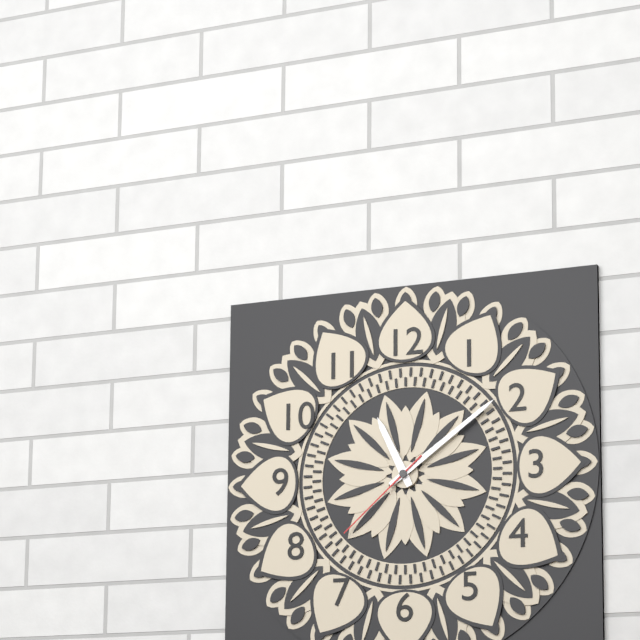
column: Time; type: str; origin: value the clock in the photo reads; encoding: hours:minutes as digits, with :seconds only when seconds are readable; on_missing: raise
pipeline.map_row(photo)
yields 11:09:38
